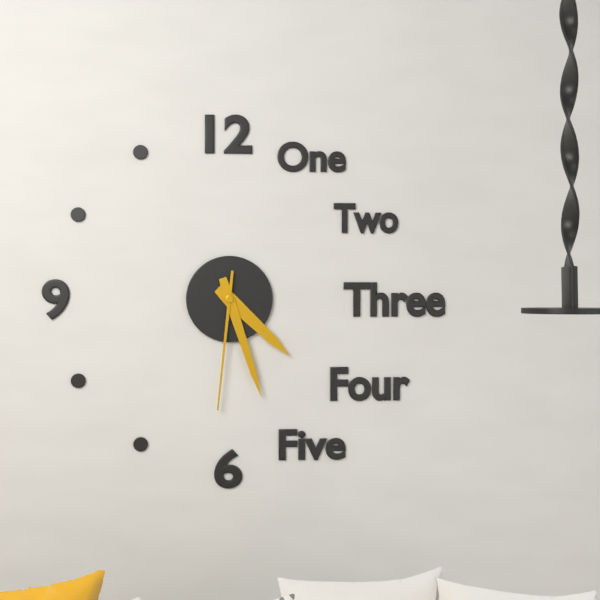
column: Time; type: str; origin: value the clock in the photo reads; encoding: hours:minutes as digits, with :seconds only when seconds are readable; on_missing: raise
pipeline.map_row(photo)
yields 4:27:31
